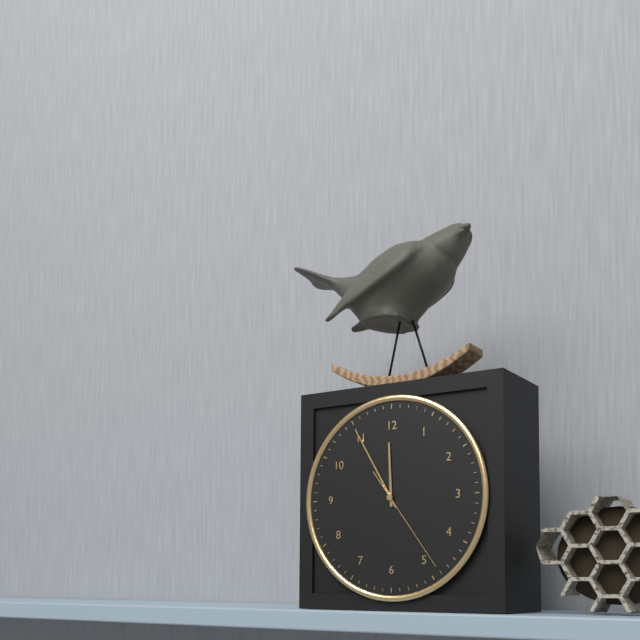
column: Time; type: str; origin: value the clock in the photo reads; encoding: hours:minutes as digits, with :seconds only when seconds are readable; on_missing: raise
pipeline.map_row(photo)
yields 11:55:24
